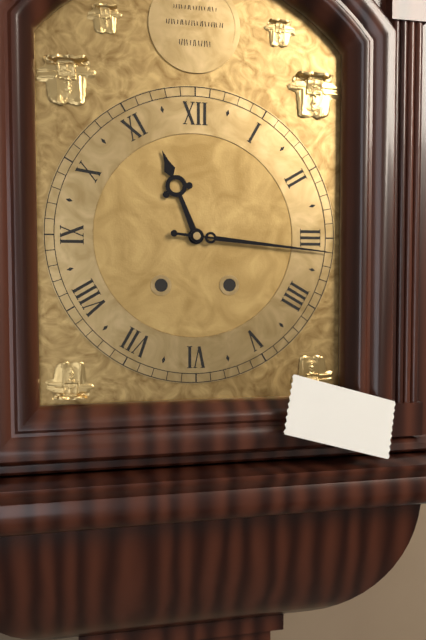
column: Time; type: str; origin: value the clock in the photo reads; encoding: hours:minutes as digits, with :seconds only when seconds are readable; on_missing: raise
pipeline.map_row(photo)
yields 11:16
